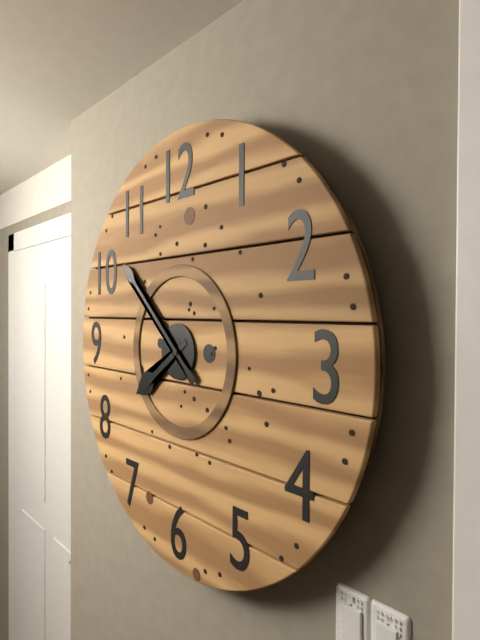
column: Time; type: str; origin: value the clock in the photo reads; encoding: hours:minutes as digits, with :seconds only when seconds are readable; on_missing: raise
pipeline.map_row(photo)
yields 7:52
